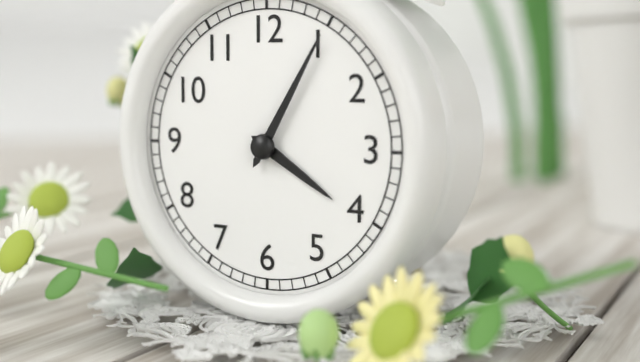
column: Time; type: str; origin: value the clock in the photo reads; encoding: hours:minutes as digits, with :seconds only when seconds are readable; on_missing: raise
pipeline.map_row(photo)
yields 4:05
